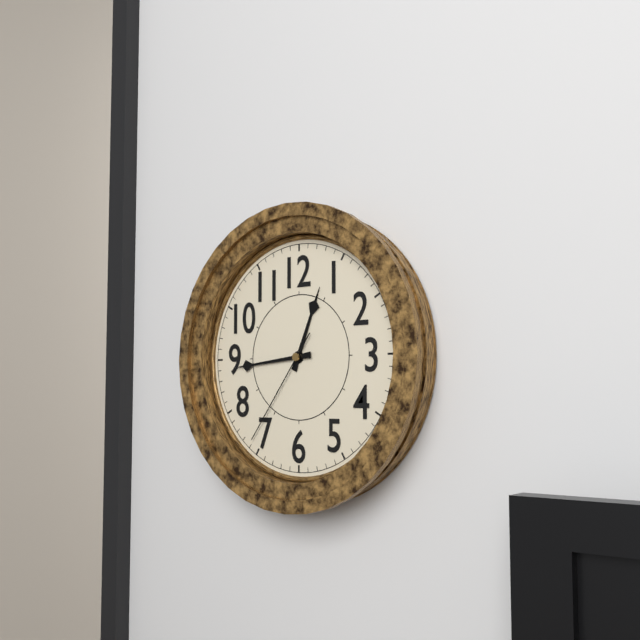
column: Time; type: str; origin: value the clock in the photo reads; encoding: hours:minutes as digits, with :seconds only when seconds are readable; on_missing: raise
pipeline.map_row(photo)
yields 12:44:36
